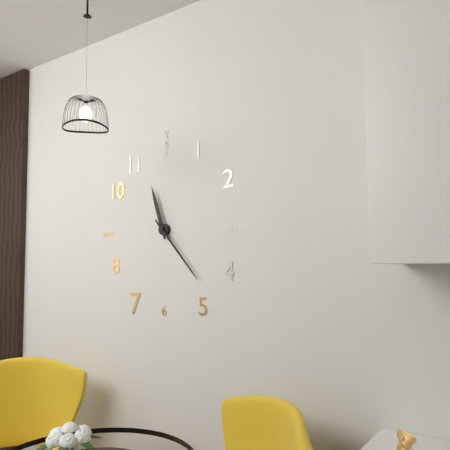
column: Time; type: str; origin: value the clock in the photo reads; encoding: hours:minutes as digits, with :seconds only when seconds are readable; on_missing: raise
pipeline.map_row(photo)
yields 11:23
